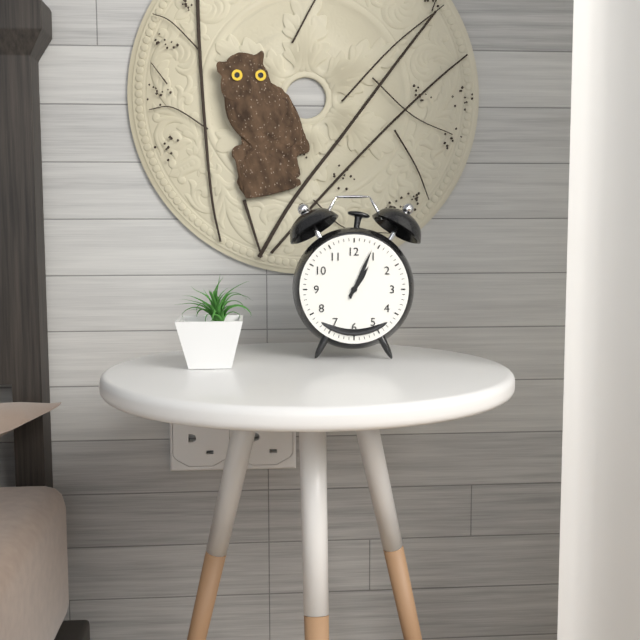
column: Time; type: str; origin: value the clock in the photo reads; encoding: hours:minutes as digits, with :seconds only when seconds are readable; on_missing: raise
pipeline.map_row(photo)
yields 1:04
